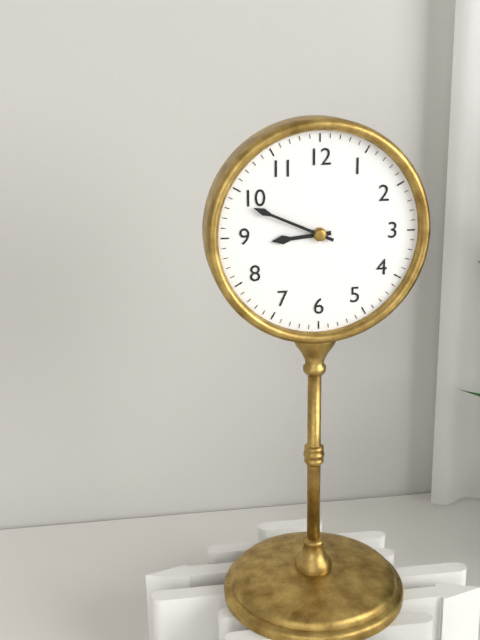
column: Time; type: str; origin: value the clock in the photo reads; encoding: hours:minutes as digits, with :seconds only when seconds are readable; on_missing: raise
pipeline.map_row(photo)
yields 8:49
